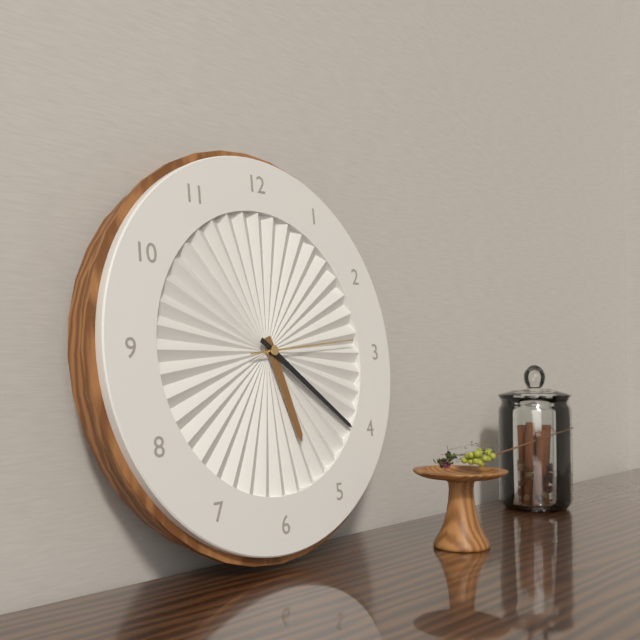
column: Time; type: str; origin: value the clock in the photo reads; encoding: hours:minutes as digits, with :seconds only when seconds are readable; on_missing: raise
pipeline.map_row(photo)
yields 5:21:14
